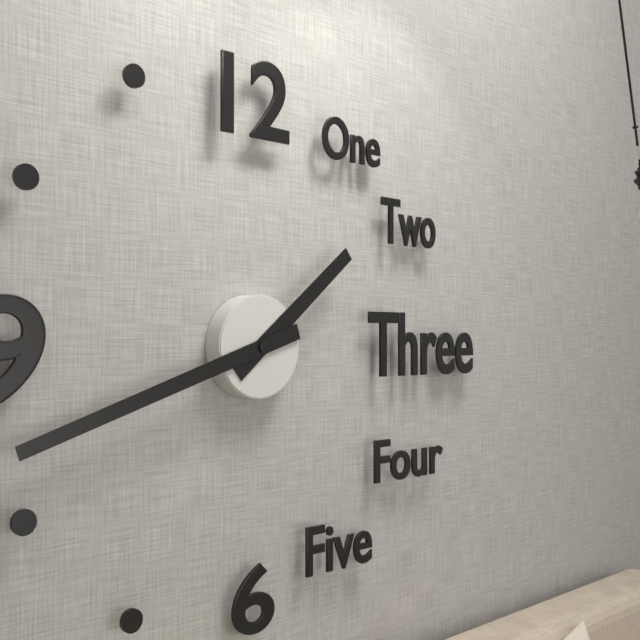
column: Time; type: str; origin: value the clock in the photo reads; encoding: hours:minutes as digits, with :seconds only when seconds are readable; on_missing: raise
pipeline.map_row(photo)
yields 1:42
